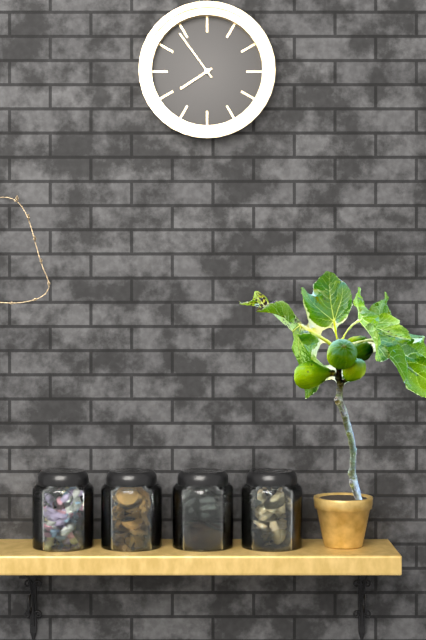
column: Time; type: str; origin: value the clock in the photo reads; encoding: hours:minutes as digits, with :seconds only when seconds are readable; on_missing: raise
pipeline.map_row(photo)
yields 7:54
